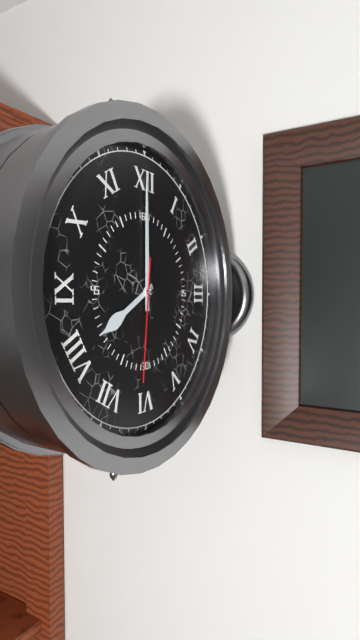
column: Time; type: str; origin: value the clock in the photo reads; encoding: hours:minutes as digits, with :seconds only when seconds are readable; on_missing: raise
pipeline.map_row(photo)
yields 8:00:31
